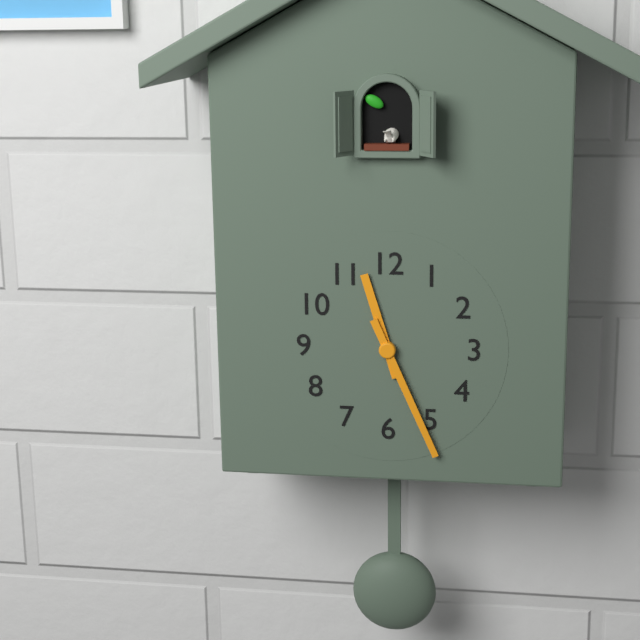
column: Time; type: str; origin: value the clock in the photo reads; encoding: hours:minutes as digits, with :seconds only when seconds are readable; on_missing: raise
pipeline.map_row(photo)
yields 11:26
